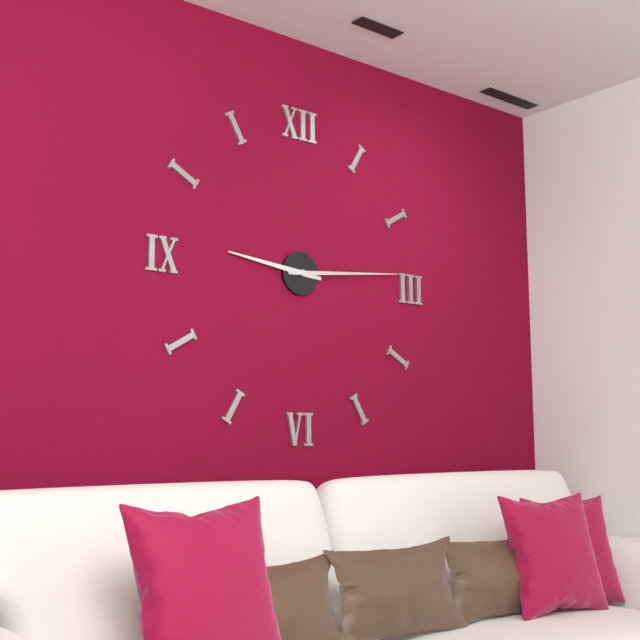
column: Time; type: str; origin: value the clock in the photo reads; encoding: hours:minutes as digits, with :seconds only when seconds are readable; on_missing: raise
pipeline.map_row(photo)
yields 9:14
